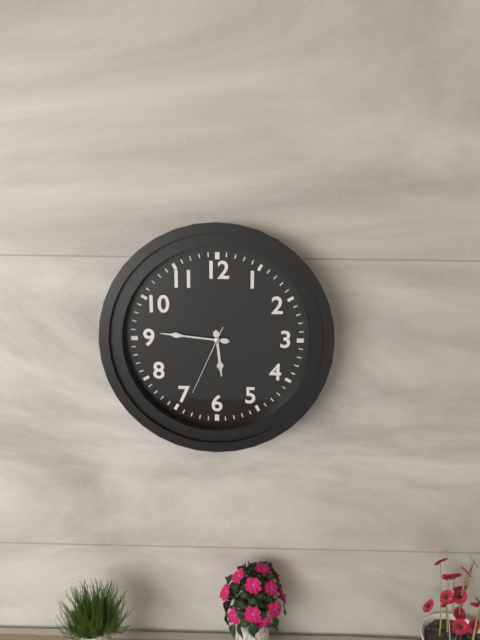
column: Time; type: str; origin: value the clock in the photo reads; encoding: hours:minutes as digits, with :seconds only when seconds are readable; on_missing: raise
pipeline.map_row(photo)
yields 5:46:34
